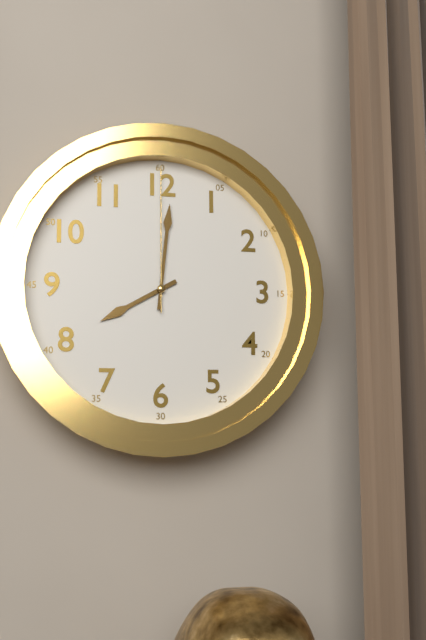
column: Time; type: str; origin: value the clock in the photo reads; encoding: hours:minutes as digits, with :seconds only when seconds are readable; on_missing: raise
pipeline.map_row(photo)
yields 8:01:00
